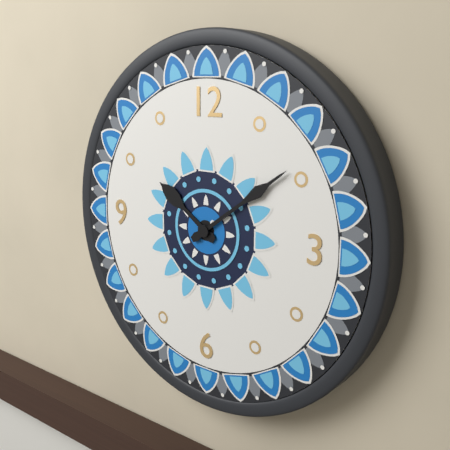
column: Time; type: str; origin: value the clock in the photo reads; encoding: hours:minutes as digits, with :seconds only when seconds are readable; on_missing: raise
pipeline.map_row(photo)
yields 10:09
